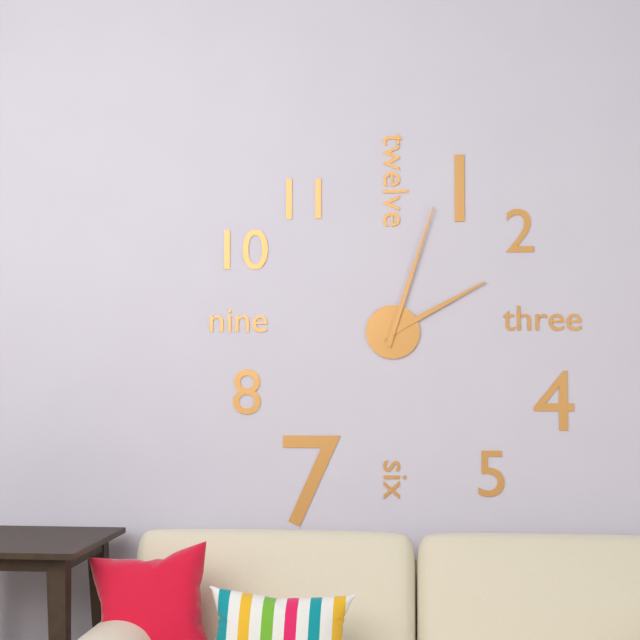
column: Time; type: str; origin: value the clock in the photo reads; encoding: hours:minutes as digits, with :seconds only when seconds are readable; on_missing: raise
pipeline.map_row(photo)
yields 2:03
